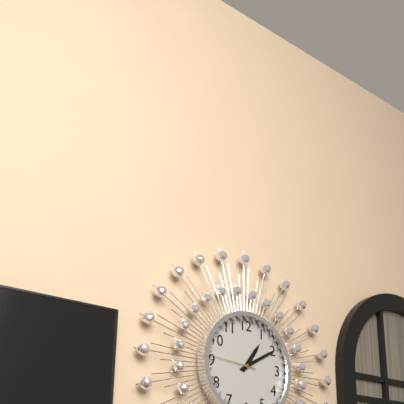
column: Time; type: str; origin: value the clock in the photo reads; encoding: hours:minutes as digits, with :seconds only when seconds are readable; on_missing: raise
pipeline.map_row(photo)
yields 1:10
